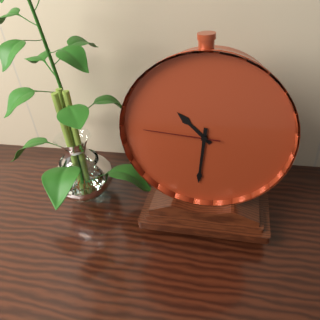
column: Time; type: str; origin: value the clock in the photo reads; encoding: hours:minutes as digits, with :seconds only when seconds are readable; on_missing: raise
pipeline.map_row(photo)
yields 10:31:46
